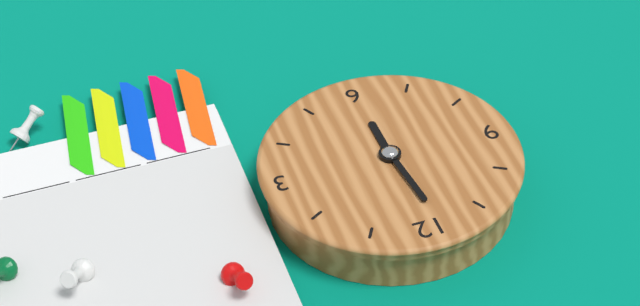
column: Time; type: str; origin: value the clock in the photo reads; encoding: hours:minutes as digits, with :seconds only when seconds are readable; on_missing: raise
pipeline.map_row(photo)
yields 5:59
